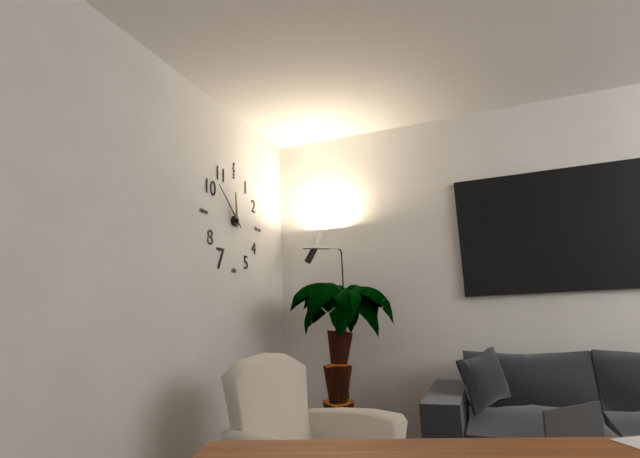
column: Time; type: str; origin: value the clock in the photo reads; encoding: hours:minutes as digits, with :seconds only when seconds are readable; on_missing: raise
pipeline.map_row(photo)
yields 11:52
